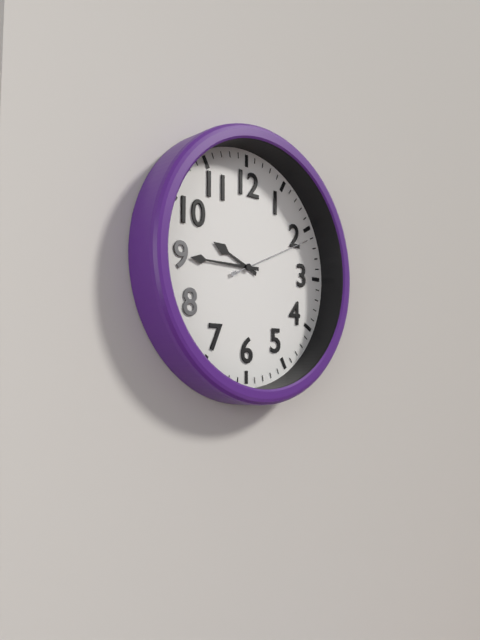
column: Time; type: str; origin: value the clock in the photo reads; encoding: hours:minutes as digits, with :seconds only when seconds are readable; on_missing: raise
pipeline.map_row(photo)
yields 9:45:11
